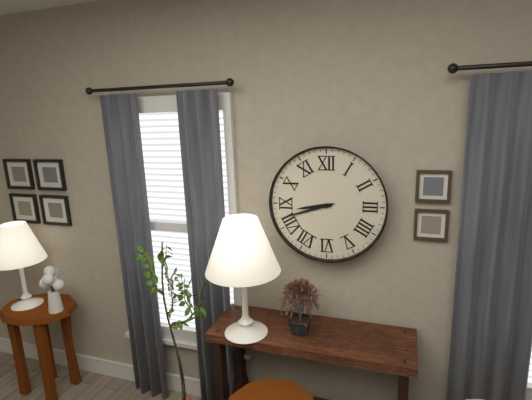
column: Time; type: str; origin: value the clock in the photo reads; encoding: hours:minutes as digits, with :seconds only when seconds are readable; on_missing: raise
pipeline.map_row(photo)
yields 8:42
